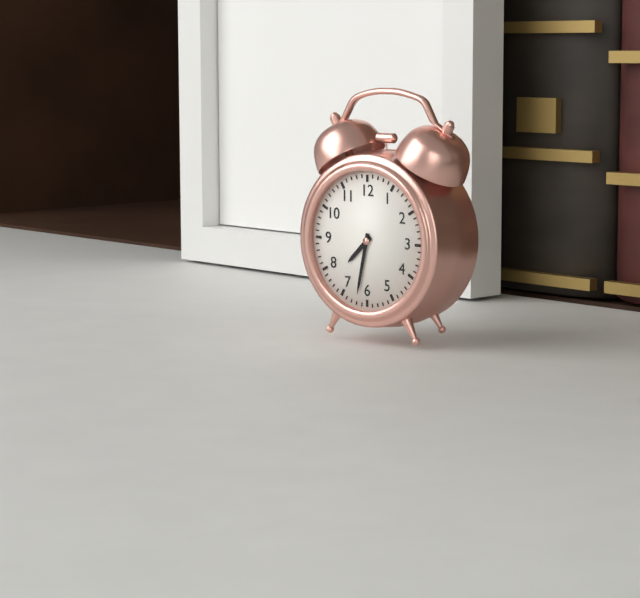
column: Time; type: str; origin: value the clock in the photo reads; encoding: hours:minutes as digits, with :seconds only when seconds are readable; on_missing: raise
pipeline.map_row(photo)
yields 7:32
